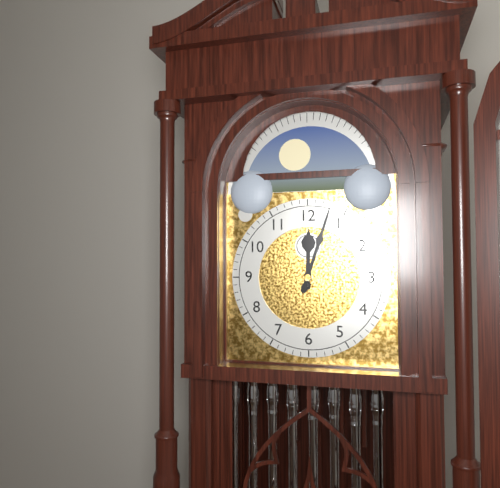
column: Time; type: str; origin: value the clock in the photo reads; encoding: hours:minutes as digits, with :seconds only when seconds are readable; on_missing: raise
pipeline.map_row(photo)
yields 12:03
